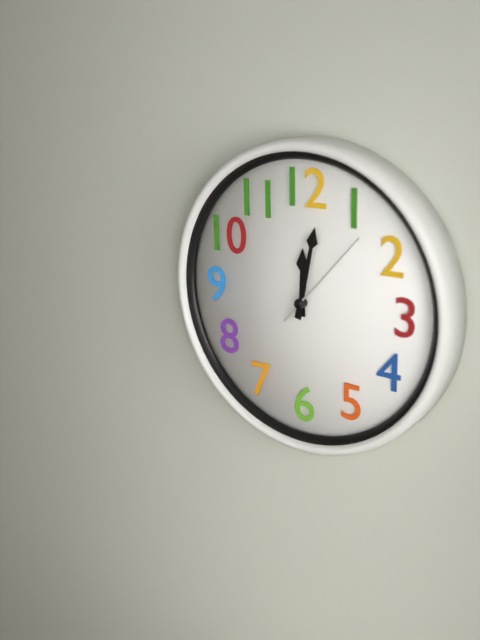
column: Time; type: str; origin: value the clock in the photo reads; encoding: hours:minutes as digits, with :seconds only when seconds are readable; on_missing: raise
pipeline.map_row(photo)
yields 12:02:07
